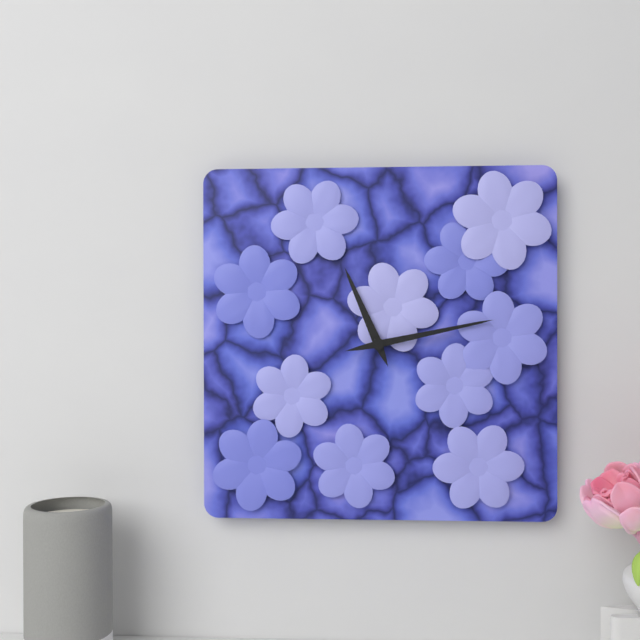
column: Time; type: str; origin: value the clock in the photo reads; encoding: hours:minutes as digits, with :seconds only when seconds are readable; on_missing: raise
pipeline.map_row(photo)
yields 11:13
